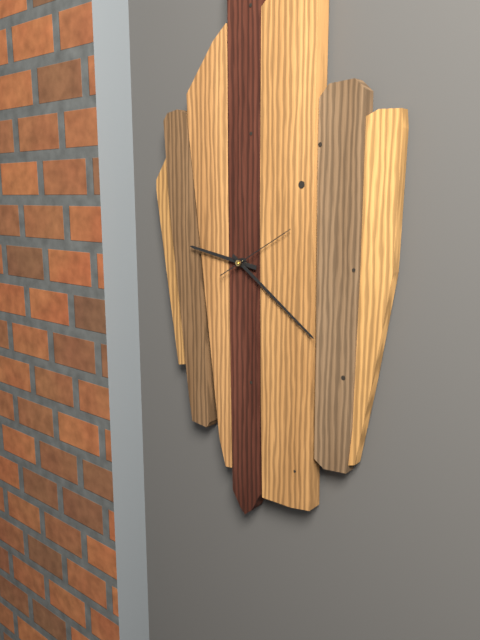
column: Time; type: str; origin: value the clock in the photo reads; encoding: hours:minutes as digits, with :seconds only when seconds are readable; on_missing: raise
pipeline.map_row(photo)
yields 9:21:10
